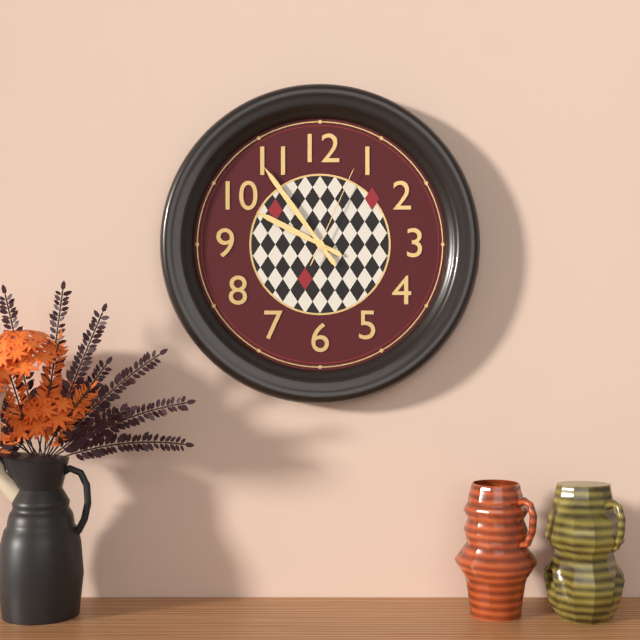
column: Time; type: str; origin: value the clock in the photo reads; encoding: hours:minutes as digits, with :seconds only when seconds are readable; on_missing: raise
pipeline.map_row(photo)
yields 9:54:04
